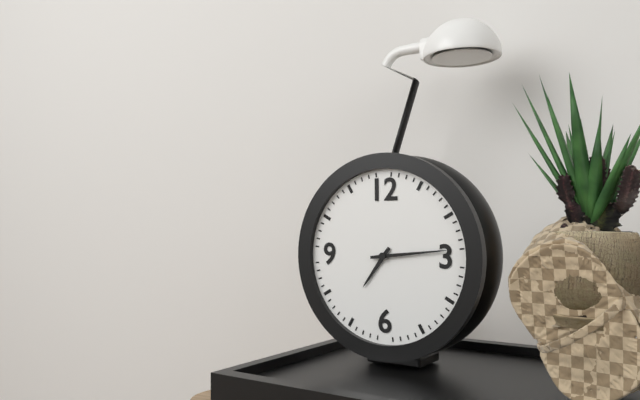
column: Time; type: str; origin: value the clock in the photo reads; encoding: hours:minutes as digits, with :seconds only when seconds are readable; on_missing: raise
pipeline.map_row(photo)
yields 7:14
